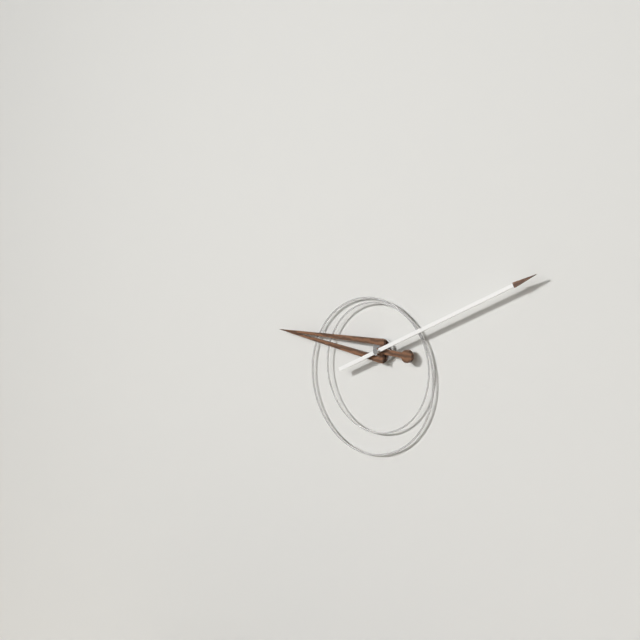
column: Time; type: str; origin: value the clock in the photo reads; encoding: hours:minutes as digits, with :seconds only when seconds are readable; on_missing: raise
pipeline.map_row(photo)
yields 9:11
